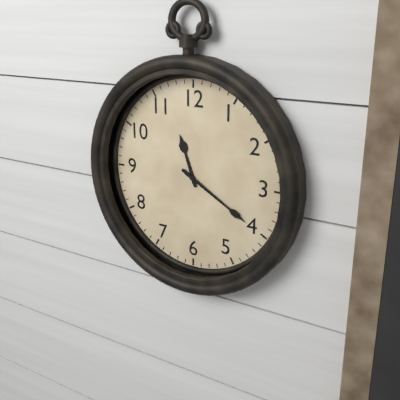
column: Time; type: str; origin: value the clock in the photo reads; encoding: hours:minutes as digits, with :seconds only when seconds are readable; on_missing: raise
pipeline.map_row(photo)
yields 11:20
